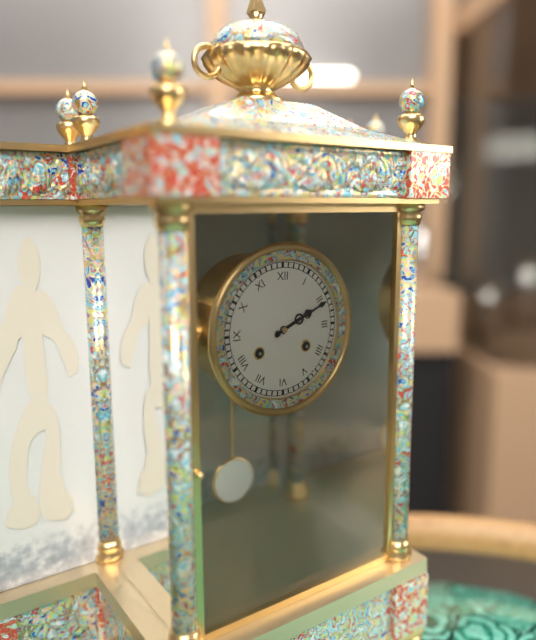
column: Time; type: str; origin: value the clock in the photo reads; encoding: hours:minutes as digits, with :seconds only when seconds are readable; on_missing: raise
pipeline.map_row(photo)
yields 2:11
